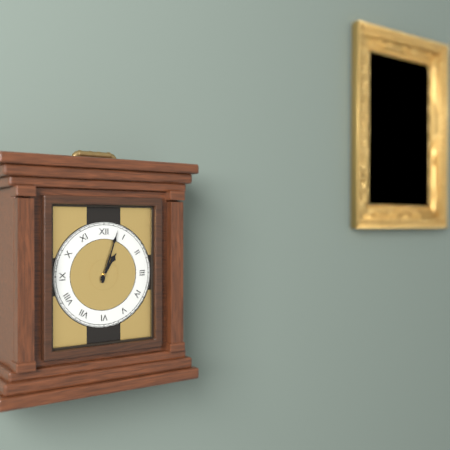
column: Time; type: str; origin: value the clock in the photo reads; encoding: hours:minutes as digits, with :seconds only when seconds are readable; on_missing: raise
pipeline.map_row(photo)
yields 1:03
